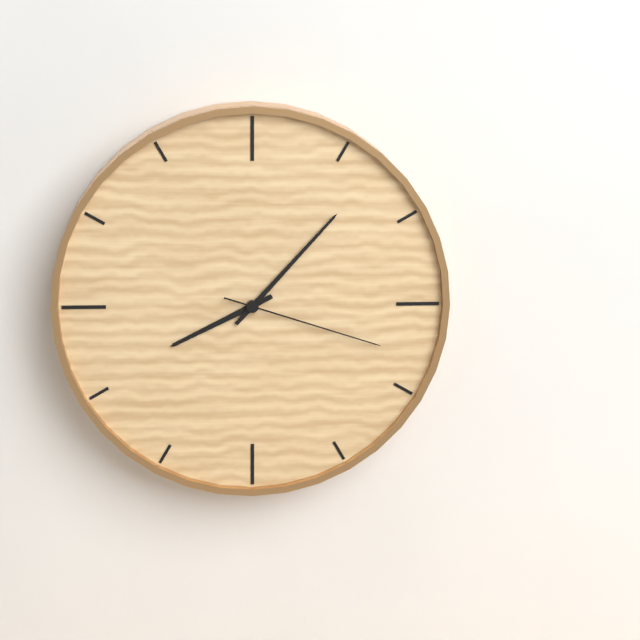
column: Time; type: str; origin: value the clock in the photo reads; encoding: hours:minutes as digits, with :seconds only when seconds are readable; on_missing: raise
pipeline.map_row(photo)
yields 8:07:18
